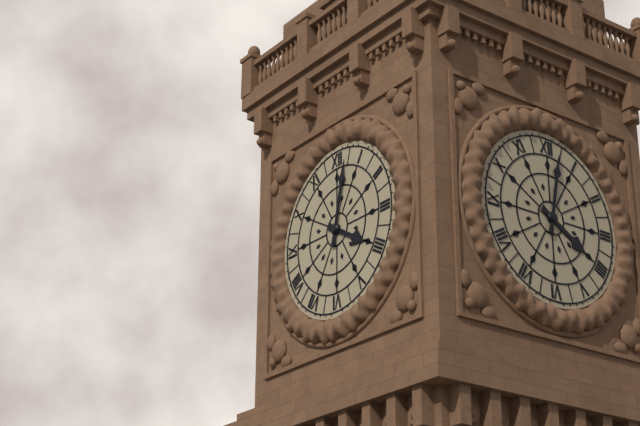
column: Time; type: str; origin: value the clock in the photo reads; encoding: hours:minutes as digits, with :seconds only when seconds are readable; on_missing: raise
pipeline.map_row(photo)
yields 4:02
